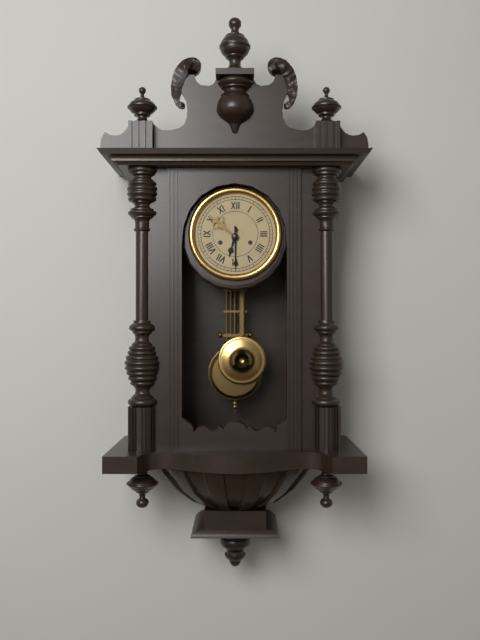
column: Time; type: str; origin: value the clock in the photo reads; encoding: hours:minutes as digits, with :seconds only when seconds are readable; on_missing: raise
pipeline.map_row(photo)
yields 6:30
